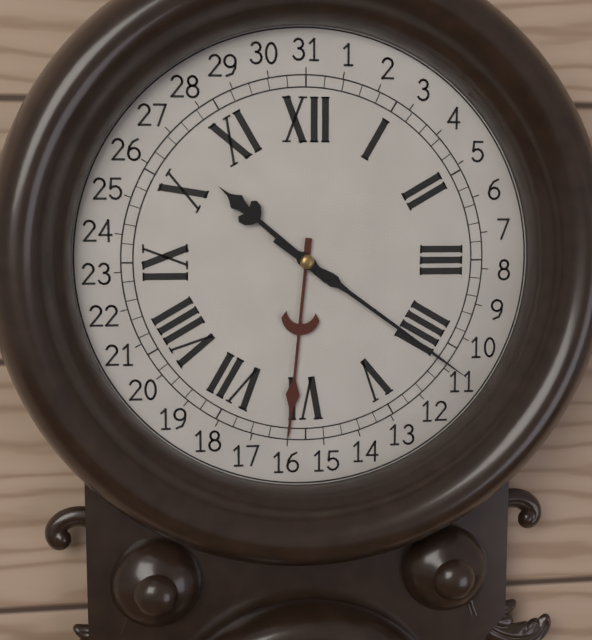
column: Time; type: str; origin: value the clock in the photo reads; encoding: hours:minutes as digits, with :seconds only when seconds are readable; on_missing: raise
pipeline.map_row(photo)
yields 10:21
